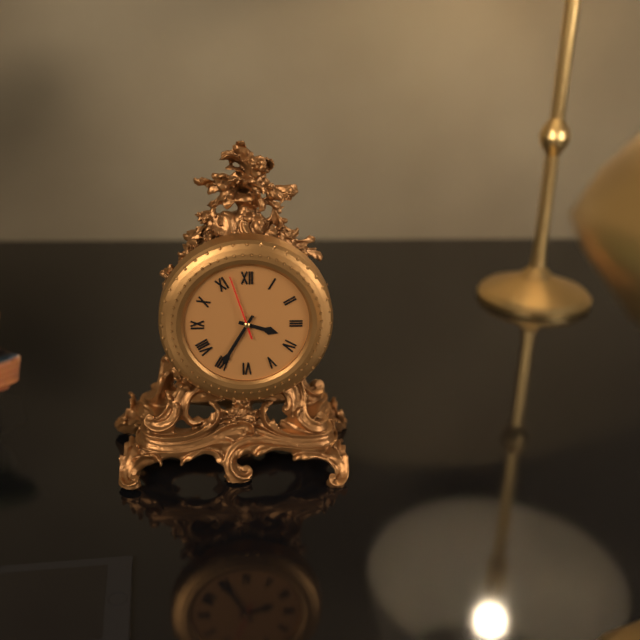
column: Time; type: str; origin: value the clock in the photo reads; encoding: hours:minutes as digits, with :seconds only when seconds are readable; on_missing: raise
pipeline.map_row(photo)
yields 3:35:57
